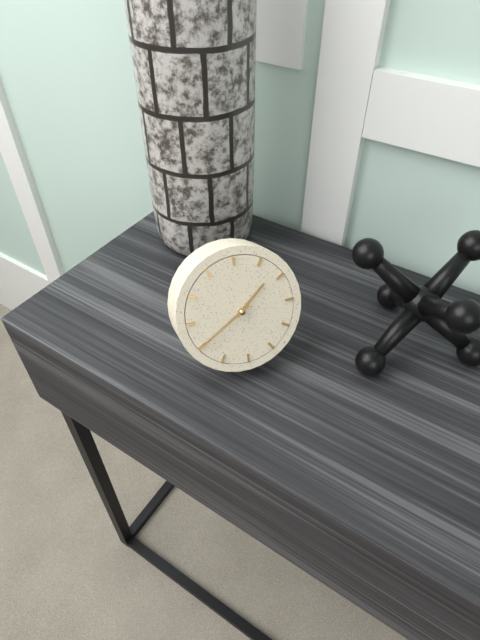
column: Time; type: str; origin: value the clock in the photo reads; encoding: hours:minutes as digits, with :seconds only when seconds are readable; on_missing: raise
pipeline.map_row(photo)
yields 1:40
